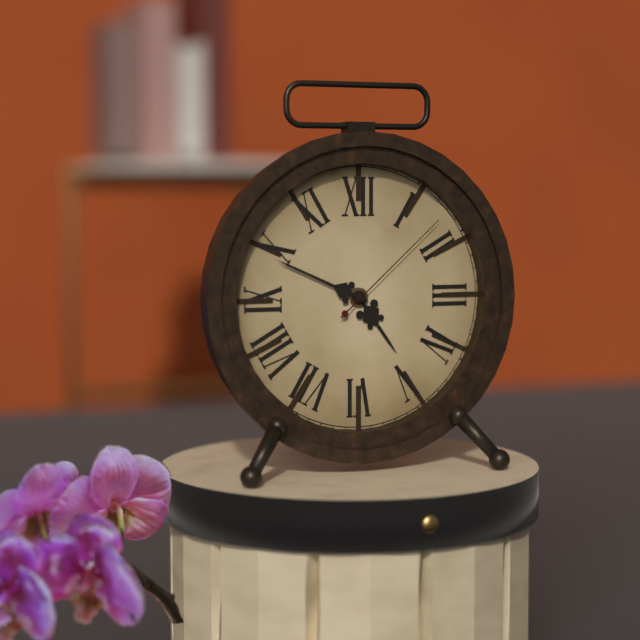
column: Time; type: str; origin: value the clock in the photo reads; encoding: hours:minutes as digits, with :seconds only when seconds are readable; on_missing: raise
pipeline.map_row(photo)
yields 4:49:08
